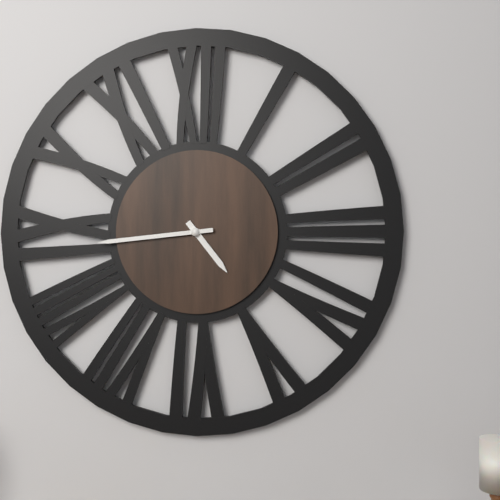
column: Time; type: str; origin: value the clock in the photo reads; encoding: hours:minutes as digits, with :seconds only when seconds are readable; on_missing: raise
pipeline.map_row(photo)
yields 4:44
